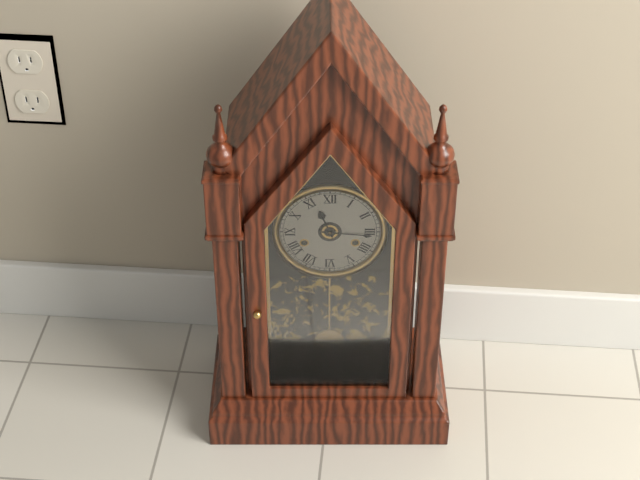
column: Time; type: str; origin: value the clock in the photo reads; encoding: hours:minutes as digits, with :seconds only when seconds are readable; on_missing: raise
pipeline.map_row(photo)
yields 11:16
